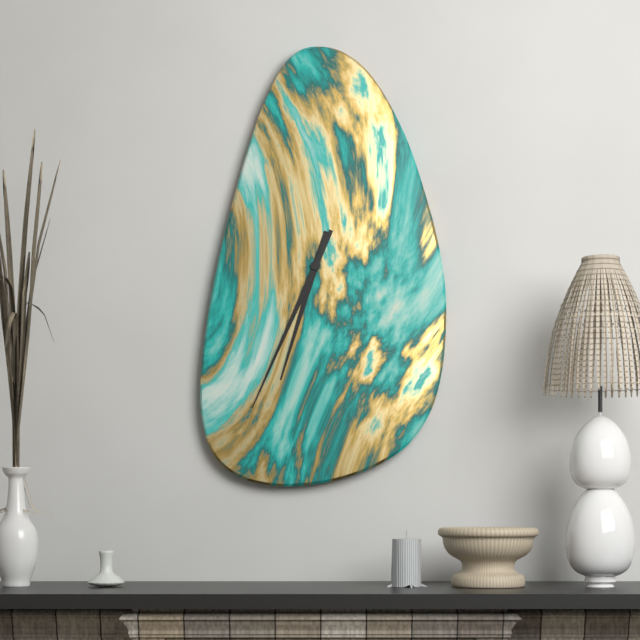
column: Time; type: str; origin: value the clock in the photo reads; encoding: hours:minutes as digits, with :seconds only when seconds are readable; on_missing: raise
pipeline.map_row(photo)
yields 6:34
